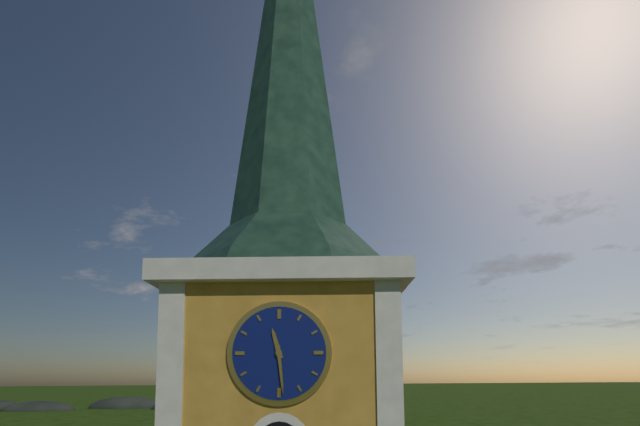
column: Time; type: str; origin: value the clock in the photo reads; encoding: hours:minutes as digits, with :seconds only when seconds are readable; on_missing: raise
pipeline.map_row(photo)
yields 11:29
